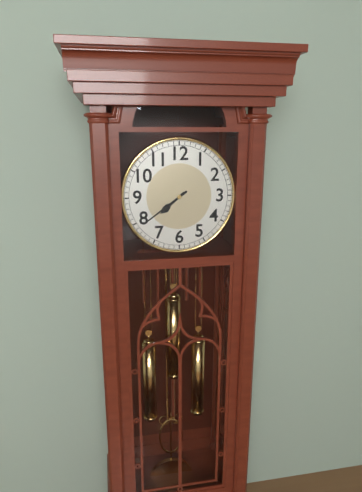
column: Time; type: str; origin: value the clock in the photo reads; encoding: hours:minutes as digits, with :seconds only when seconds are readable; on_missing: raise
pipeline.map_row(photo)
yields 7:39
